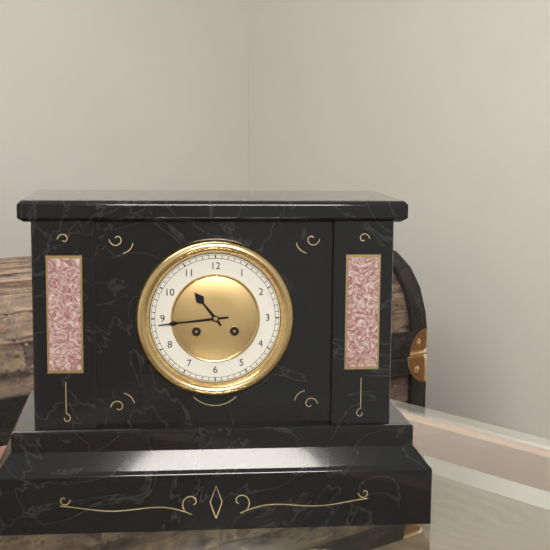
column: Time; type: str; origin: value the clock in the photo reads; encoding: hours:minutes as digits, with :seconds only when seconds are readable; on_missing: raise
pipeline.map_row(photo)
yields 10:44
